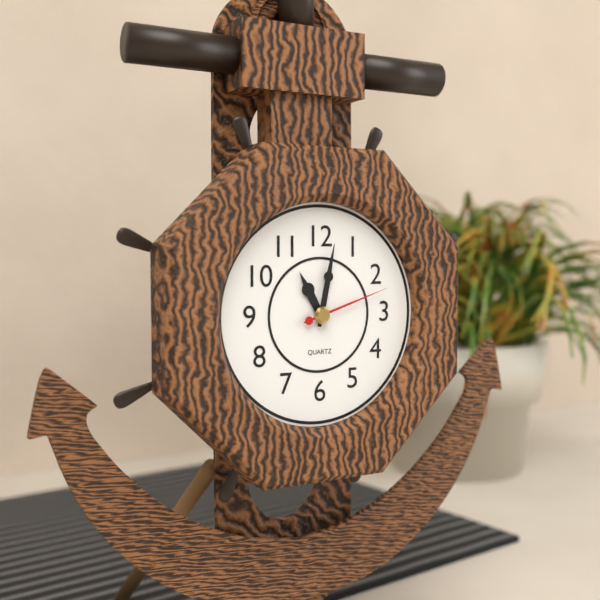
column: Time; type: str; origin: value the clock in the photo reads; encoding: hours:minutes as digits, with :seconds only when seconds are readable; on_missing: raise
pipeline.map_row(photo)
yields 11:02:12
